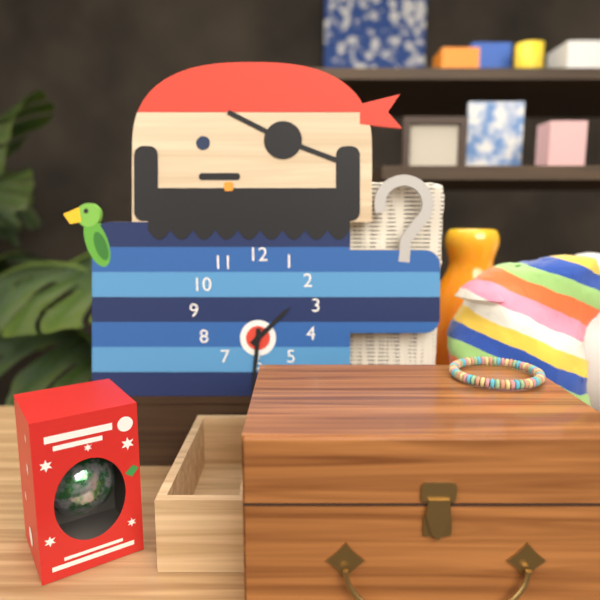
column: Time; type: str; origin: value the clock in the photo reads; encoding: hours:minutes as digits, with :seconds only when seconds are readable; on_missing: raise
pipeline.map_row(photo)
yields 1:31
